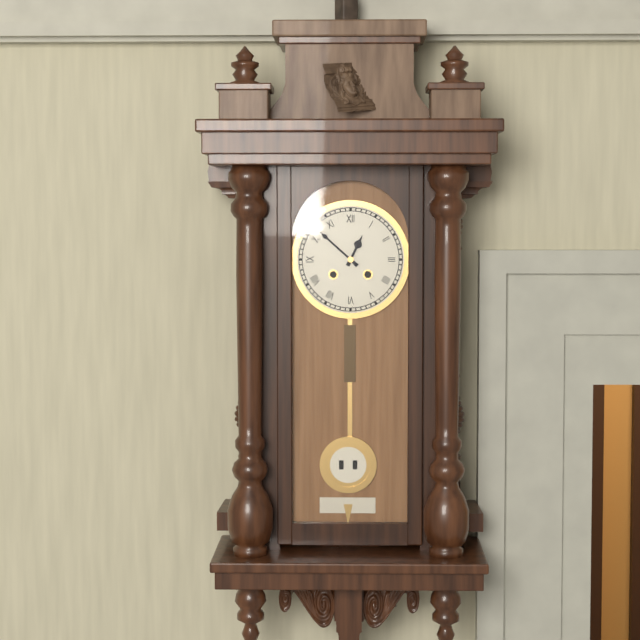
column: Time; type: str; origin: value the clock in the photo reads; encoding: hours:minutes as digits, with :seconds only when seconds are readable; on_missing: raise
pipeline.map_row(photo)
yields 12:52
